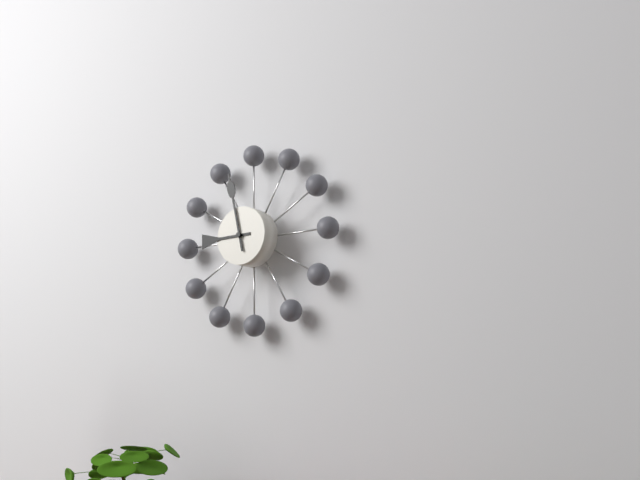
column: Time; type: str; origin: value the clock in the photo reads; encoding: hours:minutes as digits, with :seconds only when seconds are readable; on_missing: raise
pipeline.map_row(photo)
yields 8:58
